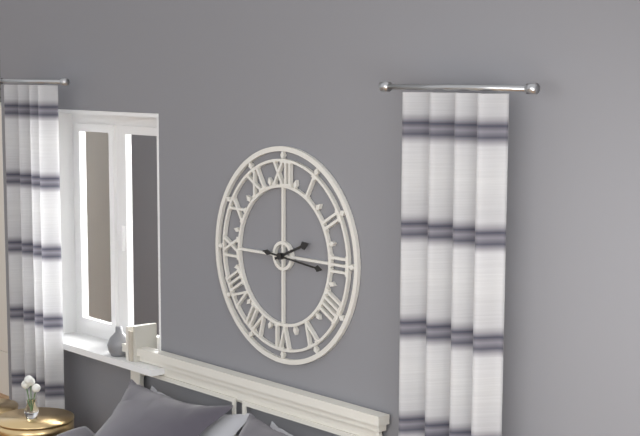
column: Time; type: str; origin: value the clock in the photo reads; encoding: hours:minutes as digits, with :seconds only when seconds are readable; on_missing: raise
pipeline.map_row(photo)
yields 2:16
